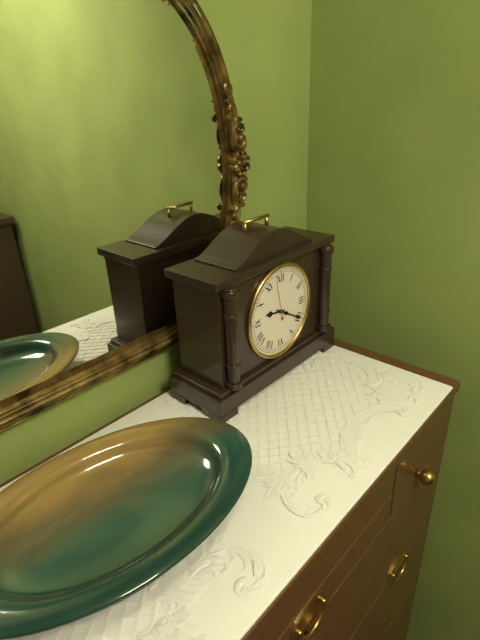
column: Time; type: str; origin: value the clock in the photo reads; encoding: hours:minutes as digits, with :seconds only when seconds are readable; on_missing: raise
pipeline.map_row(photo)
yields 9:20
